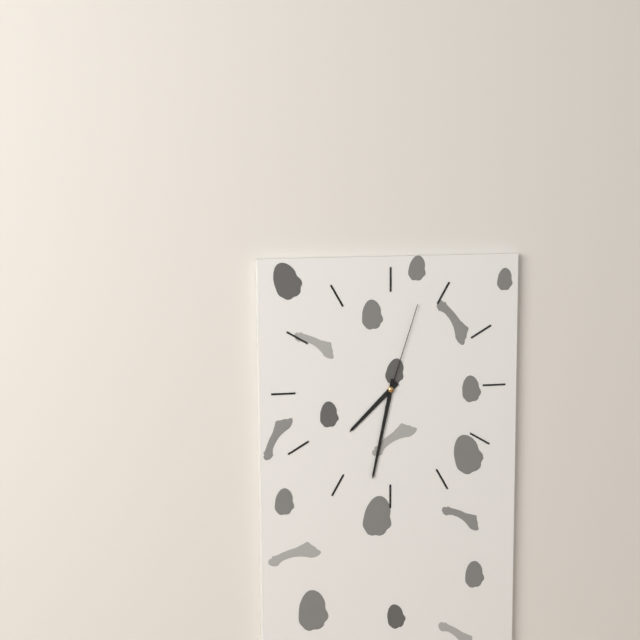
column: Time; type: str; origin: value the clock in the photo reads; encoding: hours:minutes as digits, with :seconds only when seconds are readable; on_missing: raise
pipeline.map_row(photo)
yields 7:32:03
